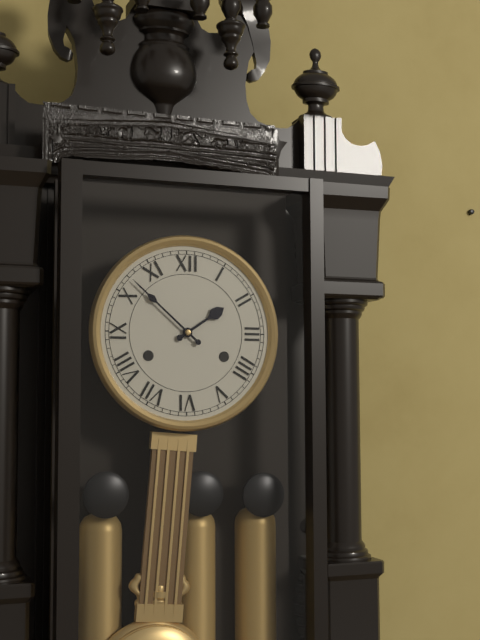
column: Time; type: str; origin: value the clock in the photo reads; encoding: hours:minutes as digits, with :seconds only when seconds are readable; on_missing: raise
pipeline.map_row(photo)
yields 1:52
